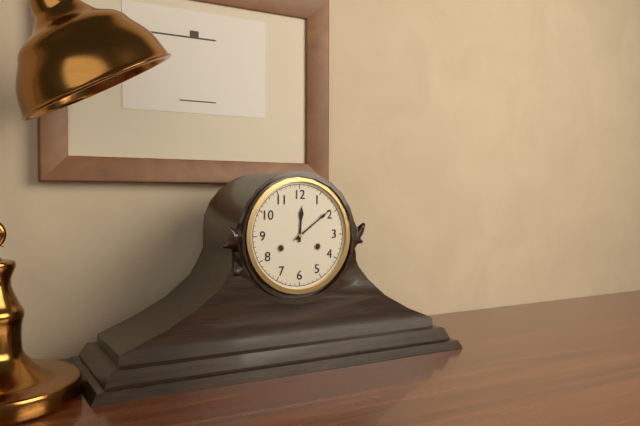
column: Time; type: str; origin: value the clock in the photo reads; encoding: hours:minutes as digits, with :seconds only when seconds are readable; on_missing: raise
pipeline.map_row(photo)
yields 12:09
